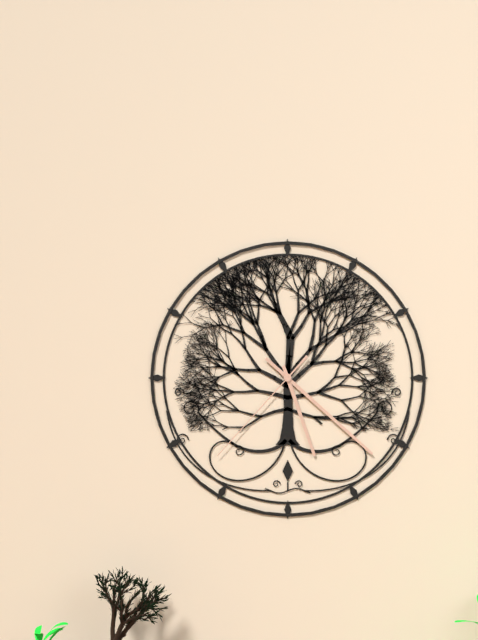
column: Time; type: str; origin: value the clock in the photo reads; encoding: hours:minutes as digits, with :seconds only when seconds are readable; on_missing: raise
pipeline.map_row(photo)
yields 5:22:37
